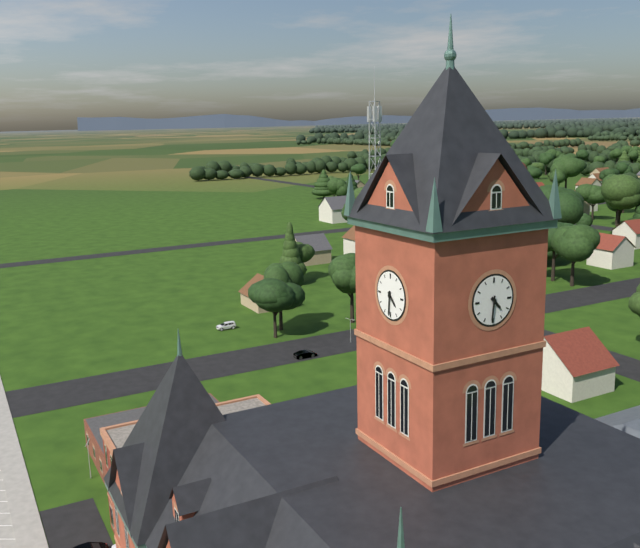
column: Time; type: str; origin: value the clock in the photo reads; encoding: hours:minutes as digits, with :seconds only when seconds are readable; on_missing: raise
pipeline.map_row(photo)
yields 4:31
